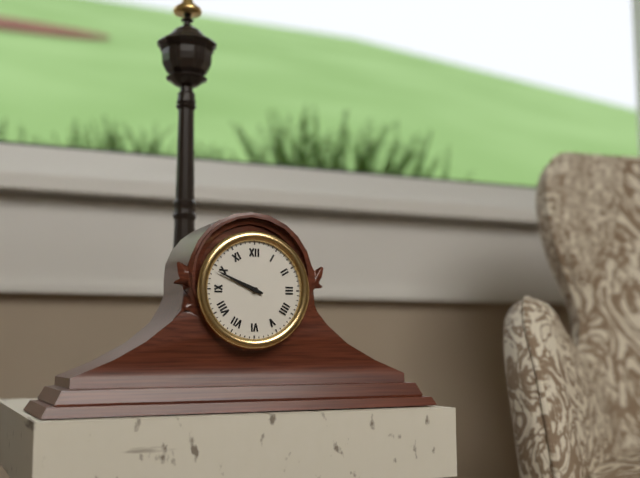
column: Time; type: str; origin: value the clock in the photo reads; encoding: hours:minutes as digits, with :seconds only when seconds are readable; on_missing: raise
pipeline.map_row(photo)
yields 9:49
